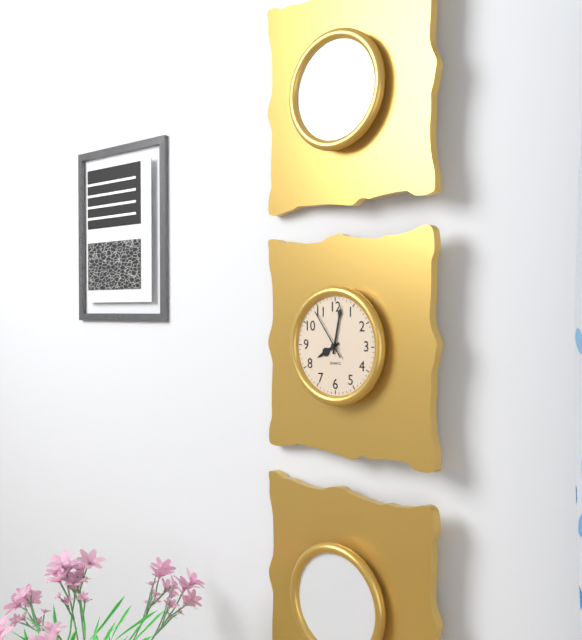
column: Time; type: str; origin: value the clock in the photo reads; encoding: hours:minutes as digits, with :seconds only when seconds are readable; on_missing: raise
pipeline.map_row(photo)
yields 8:02:54
